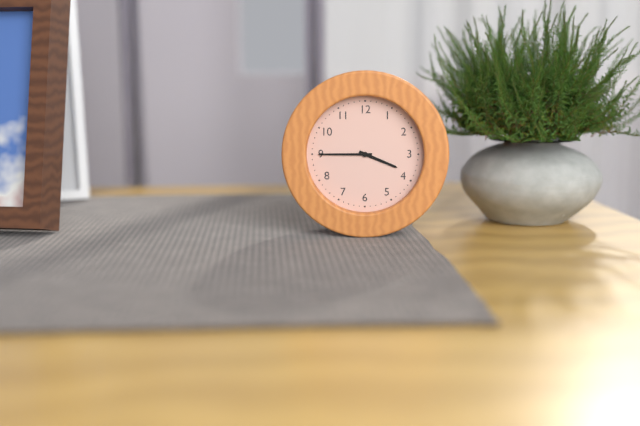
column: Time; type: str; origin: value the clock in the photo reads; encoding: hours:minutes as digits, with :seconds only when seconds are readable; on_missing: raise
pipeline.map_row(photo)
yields 3:45
